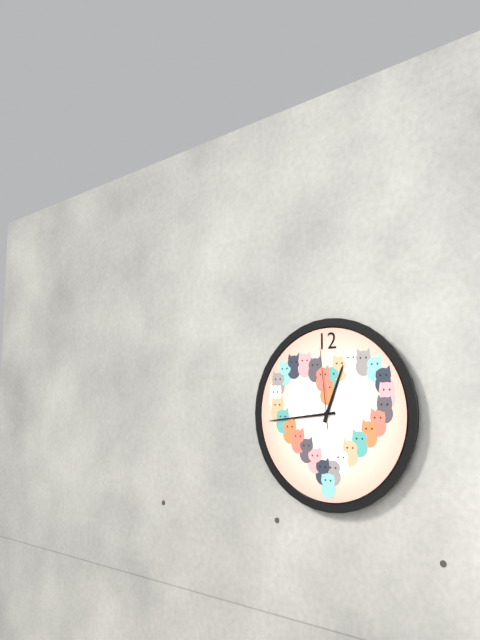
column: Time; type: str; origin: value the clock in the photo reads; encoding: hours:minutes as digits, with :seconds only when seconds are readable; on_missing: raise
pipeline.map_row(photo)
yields 12:44:59
